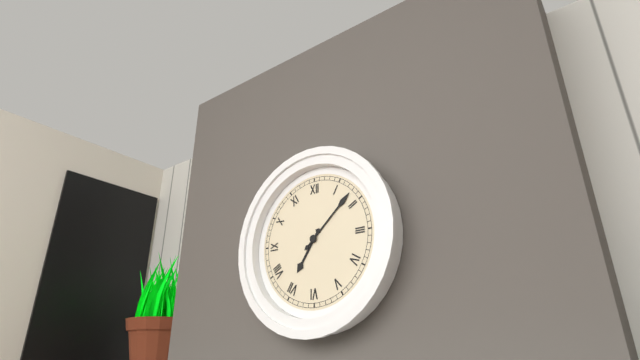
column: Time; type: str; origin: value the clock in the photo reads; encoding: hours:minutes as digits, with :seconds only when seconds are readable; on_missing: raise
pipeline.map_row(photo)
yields 7:08
